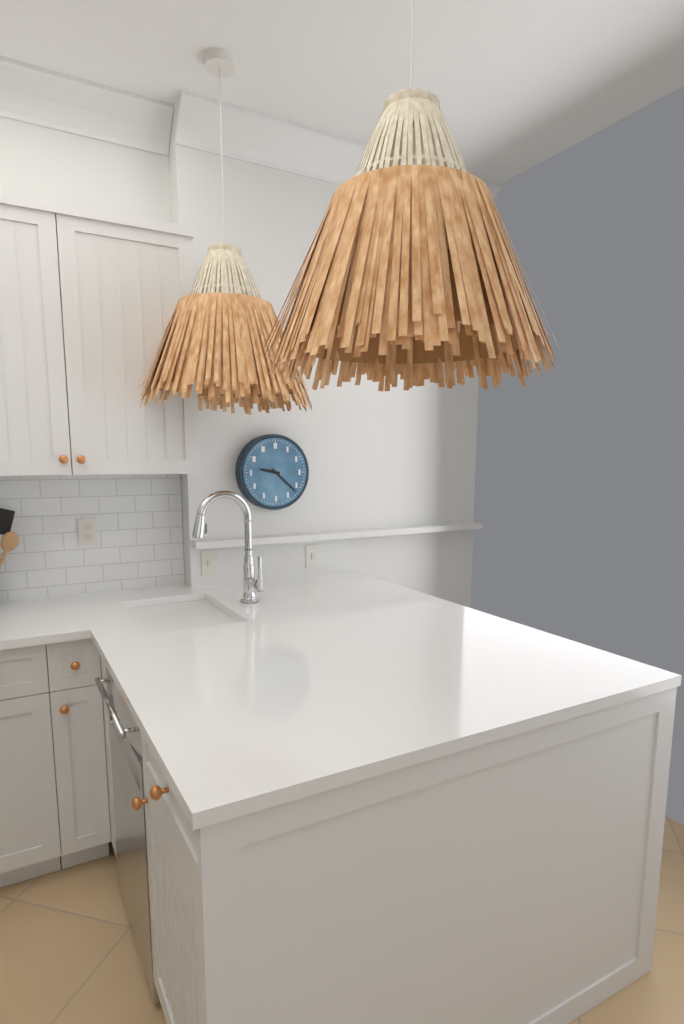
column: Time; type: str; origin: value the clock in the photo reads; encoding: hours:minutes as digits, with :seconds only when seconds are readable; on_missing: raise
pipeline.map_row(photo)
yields 9:22
